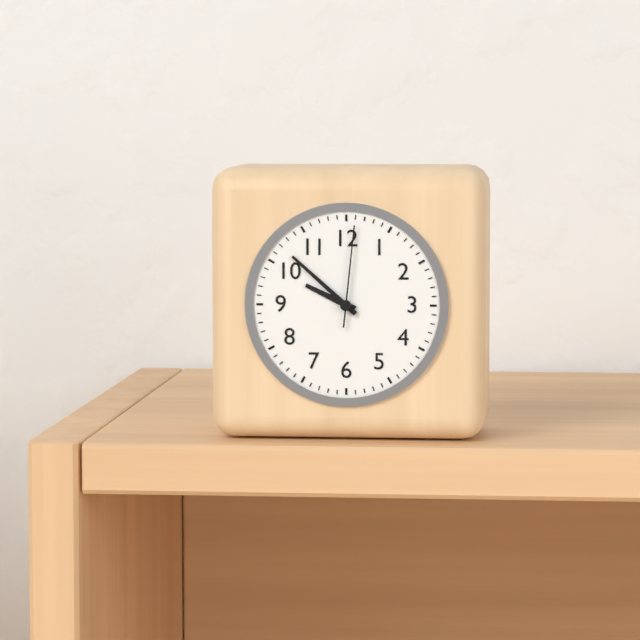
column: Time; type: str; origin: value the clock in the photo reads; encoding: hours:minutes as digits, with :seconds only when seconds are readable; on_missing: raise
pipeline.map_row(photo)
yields 9:52:01
